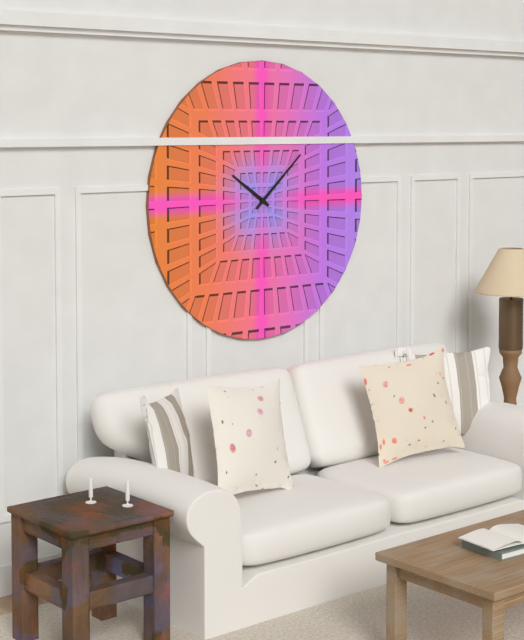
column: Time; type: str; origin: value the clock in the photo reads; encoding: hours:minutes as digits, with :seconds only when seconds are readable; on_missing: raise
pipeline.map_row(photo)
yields 10:08
